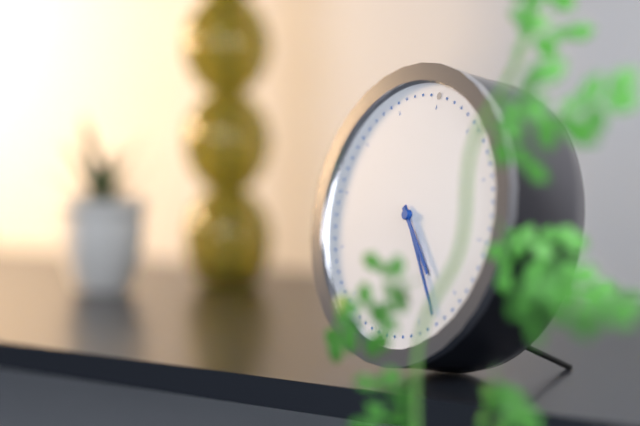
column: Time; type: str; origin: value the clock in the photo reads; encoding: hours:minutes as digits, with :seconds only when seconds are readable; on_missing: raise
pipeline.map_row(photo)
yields 4:23
